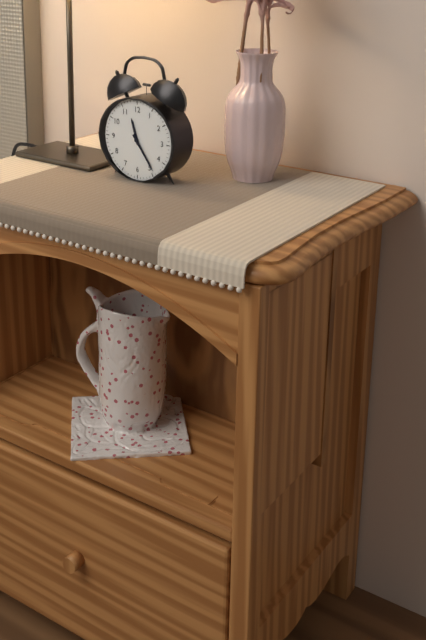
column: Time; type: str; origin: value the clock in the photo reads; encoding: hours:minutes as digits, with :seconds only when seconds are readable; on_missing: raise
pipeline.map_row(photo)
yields 11:24
